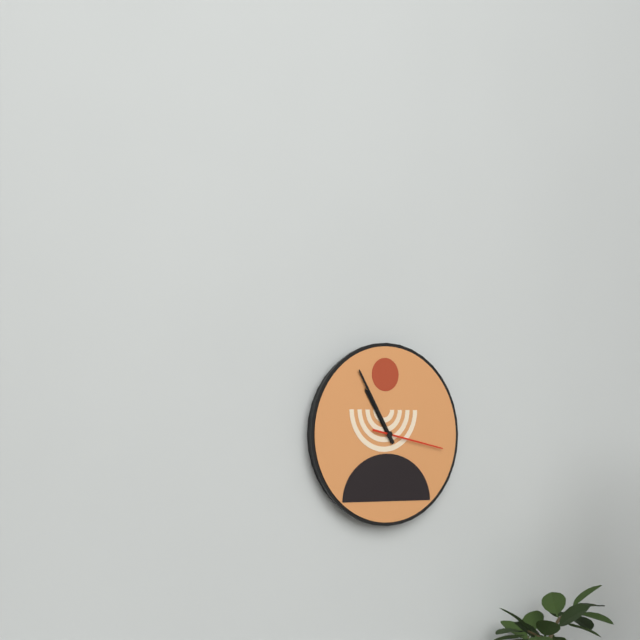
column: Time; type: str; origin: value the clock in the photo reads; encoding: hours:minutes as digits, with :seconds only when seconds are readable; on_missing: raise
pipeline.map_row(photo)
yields 10:55:17
